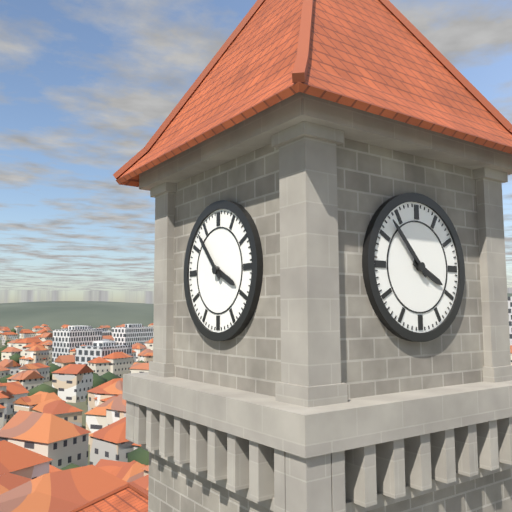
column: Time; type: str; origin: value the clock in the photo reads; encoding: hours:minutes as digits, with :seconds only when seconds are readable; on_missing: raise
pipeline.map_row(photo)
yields 3:53
